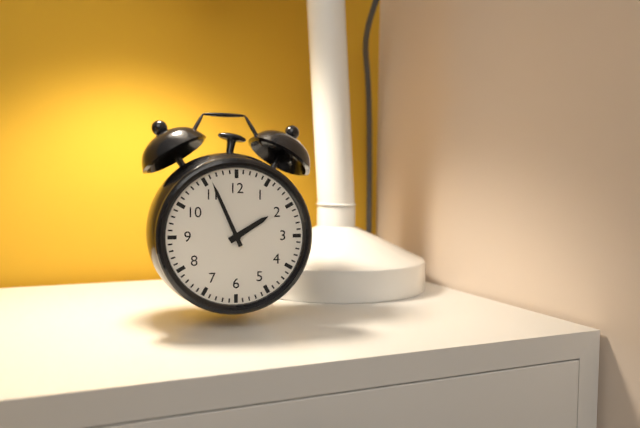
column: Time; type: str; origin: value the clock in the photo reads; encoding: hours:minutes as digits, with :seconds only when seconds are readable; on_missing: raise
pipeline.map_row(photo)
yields 1:56
